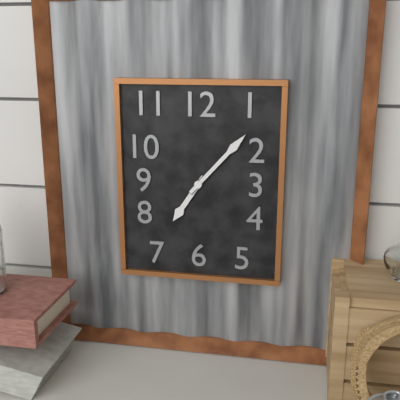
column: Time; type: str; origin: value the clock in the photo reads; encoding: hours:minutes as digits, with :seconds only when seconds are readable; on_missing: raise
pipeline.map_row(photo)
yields 7:07
